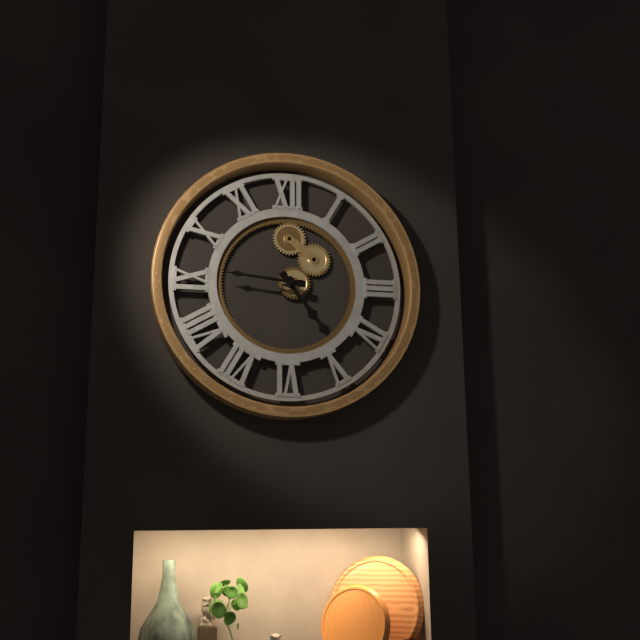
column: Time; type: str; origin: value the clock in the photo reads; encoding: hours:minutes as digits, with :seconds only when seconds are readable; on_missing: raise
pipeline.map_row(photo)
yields 4:46
